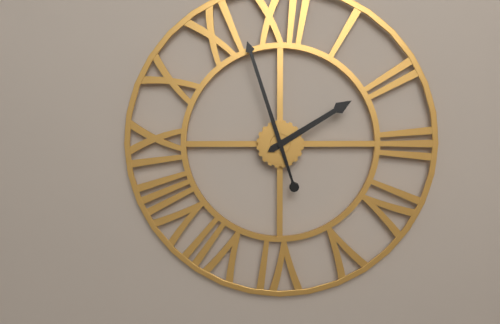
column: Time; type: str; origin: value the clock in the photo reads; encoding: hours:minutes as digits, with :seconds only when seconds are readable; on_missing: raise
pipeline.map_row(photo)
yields 1:57
